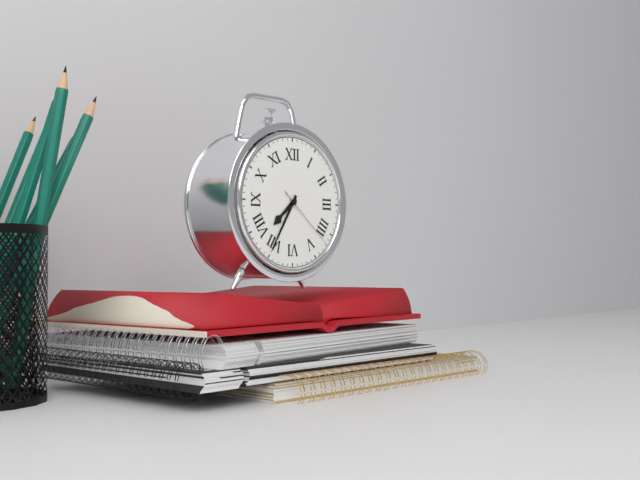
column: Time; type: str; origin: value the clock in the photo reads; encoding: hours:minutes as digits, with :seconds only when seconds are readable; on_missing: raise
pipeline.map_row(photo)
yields 7:35:22
